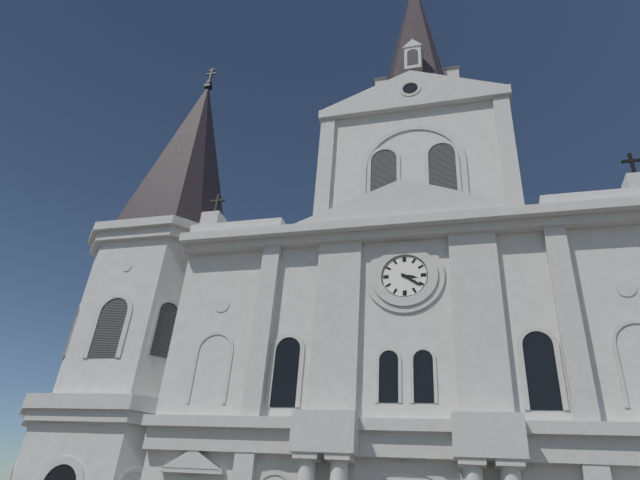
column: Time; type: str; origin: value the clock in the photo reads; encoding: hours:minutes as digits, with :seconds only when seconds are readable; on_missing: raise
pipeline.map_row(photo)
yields 3:21
